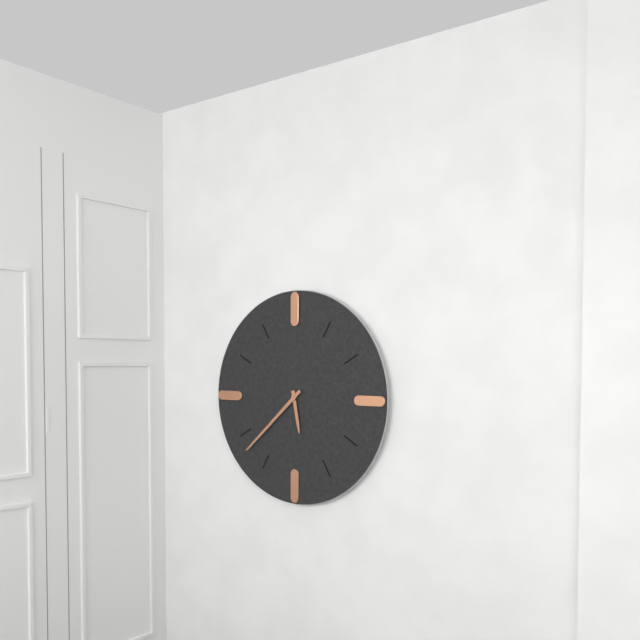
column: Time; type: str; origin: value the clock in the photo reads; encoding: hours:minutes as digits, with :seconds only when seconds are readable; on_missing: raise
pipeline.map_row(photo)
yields 5:38
